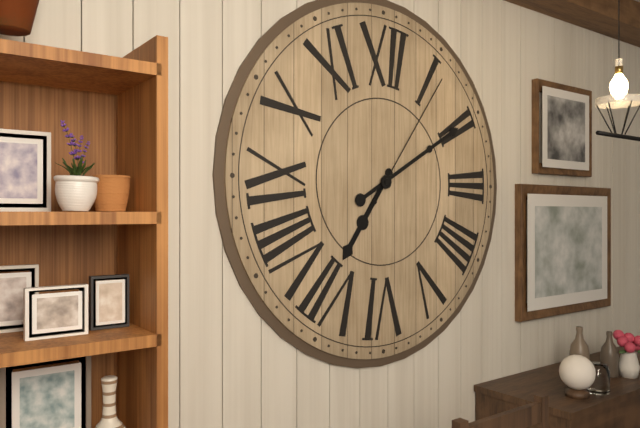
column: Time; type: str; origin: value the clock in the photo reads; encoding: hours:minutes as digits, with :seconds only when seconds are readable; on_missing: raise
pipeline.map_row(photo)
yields 7:10:06
